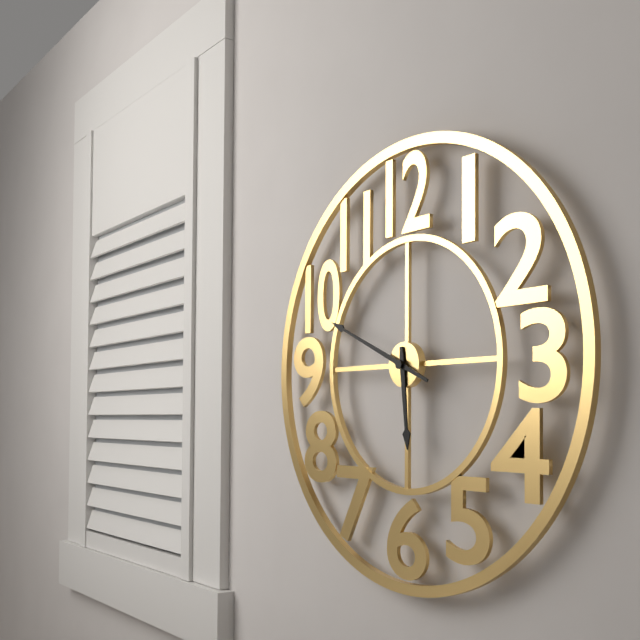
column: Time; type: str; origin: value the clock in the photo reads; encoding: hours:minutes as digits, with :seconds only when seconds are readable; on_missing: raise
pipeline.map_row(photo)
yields 5:49
